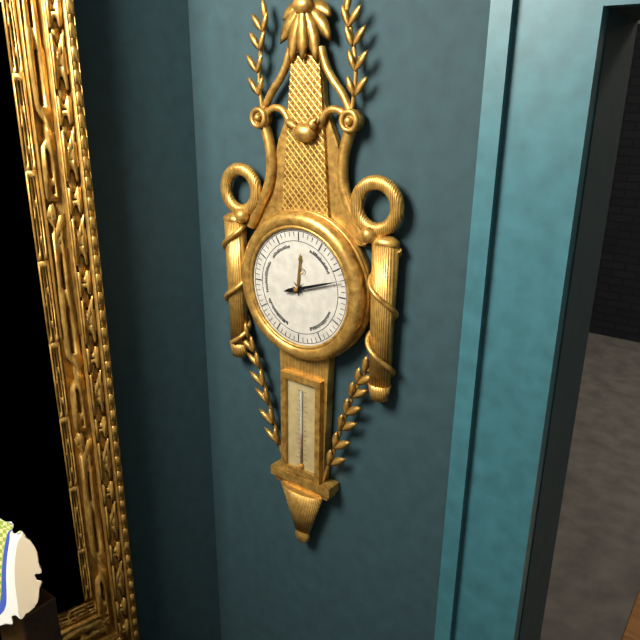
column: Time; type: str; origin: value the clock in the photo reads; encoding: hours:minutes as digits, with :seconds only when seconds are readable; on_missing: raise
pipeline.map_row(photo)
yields 12:12
